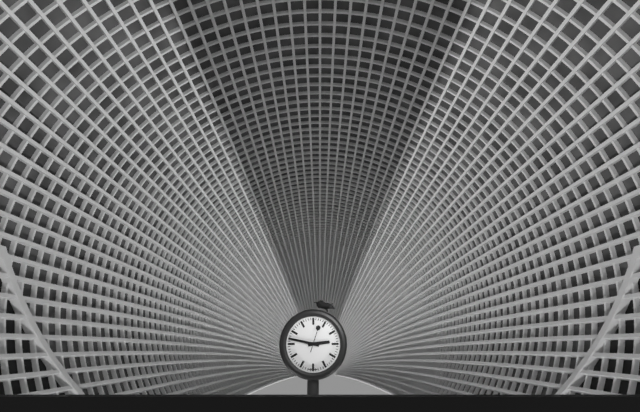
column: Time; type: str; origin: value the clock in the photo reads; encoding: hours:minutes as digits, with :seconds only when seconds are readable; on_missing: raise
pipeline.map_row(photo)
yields 2:47
